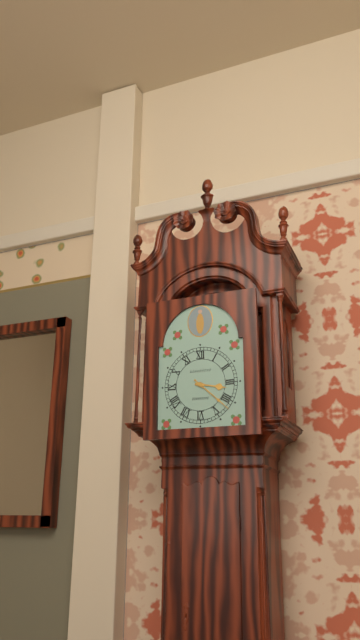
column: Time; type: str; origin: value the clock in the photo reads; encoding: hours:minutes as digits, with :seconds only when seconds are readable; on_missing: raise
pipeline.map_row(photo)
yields 3:22
